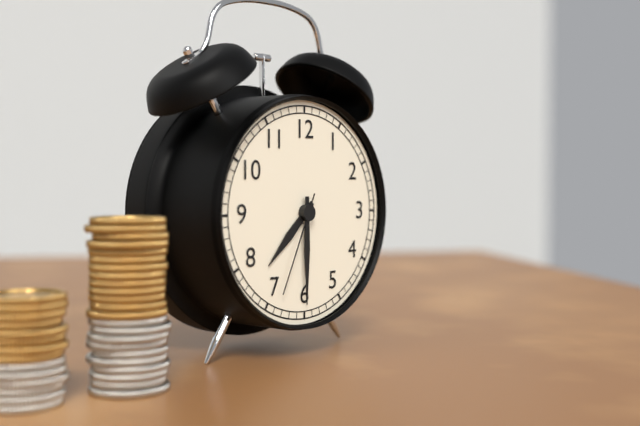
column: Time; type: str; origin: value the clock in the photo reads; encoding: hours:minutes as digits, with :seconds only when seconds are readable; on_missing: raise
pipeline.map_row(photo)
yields 7:30:34
